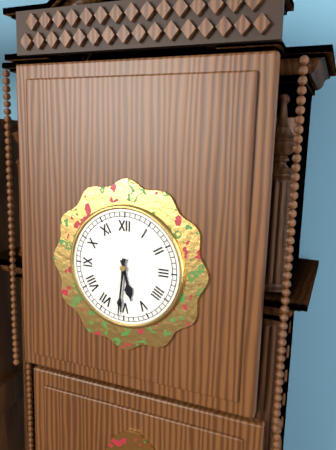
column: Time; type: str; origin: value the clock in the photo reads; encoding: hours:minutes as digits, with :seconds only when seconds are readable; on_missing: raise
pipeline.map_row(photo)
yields 5:31
